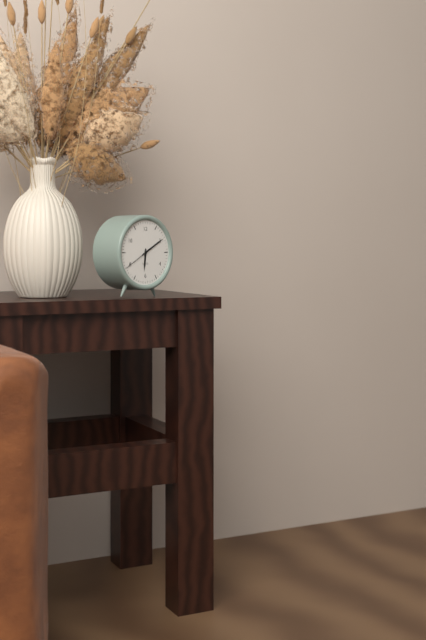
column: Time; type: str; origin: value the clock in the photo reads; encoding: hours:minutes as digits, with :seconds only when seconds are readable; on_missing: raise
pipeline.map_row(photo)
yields 6:10
